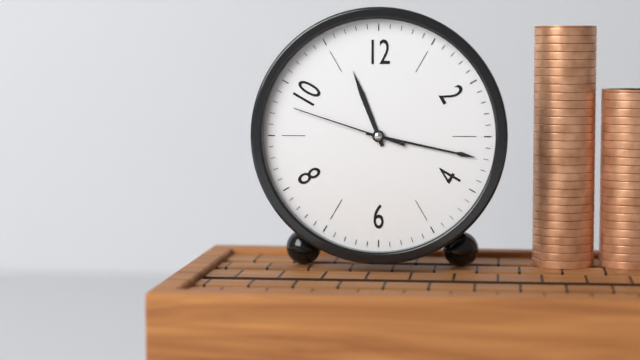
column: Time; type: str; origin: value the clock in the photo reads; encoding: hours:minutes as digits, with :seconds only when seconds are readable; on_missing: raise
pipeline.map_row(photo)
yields 11:17:48
